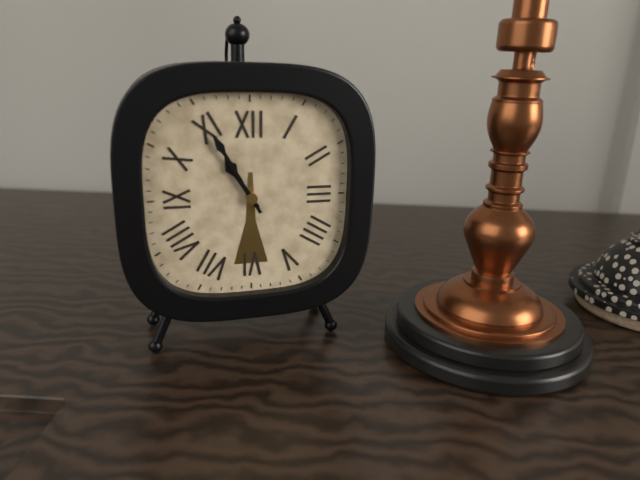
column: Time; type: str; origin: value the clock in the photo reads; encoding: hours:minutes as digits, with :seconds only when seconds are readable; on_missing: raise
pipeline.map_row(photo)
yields 10:55
